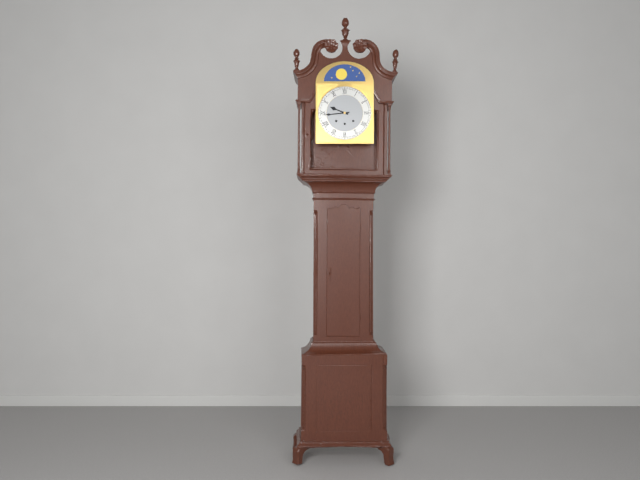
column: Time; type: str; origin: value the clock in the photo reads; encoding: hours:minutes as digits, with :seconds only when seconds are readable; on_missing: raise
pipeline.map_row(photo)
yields 9:44
